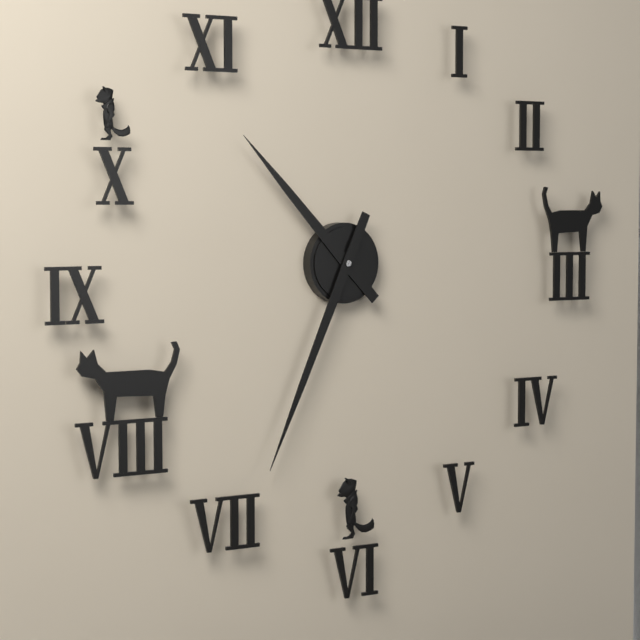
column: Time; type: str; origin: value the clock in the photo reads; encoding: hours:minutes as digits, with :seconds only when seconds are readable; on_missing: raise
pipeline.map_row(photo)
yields 10:34
